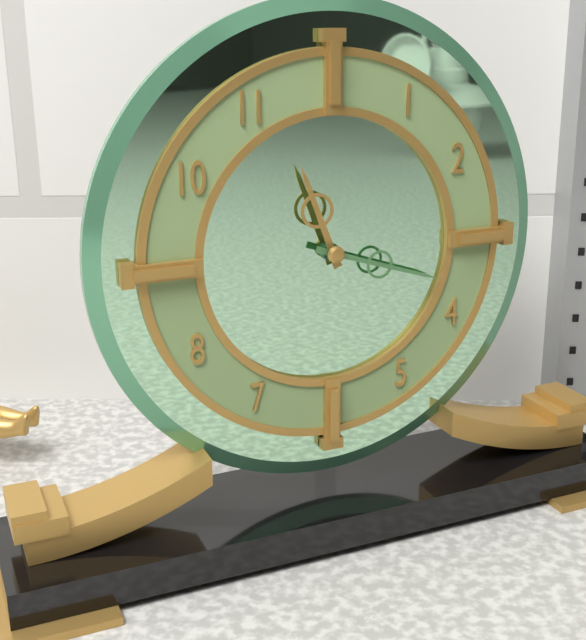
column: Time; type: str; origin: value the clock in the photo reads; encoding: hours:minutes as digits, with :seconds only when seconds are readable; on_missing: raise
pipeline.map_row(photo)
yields 11:18
